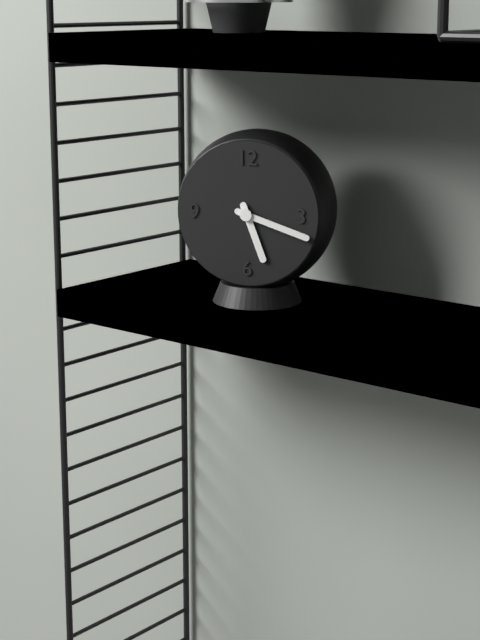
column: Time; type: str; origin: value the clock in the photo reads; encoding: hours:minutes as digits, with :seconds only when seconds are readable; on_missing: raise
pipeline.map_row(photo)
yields 5:18
